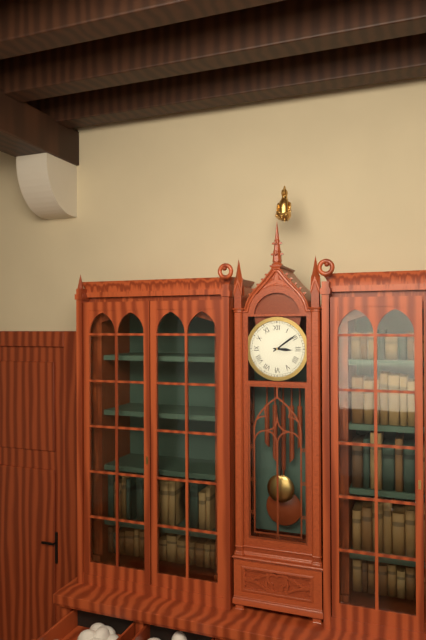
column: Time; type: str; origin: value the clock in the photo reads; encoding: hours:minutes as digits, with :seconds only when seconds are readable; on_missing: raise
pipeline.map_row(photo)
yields 3:09
